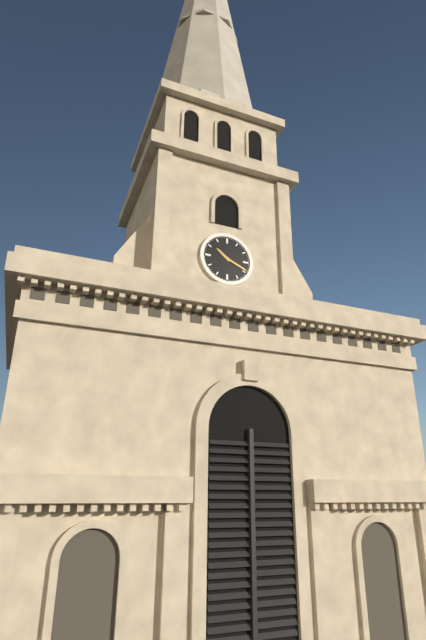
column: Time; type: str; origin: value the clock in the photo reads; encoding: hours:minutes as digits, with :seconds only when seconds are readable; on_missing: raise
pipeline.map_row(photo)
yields 10:19
